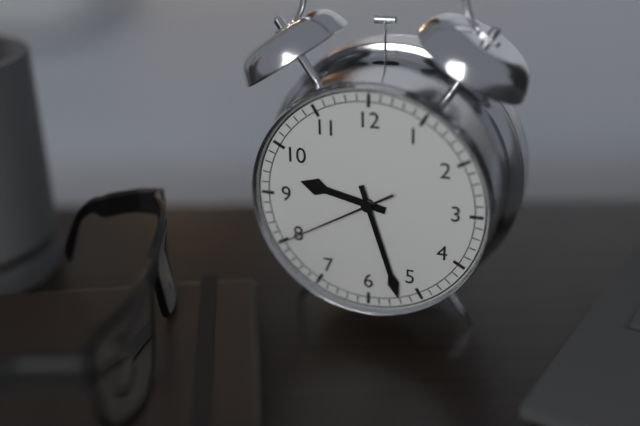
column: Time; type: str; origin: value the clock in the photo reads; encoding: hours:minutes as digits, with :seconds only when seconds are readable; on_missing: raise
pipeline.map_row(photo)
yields 9:27:40
